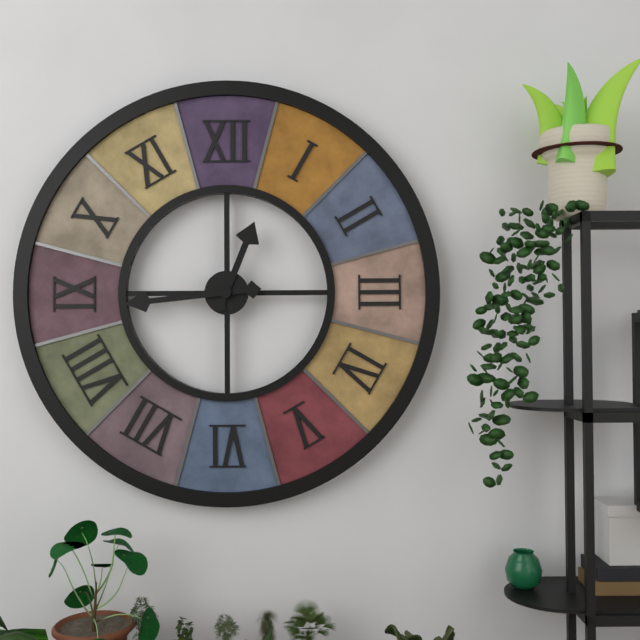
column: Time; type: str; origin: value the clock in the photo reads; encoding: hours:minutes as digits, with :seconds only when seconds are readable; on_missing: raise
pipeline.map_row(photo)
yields 12:44
